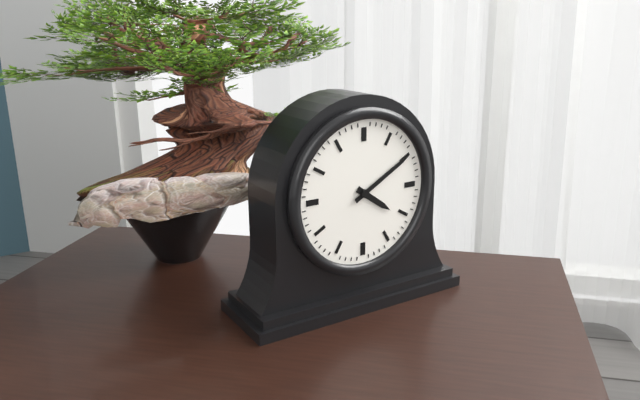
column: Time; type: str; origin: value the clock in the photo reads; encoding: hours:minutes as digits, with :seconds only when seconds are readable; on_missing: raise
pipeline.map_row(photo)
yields 4:10
